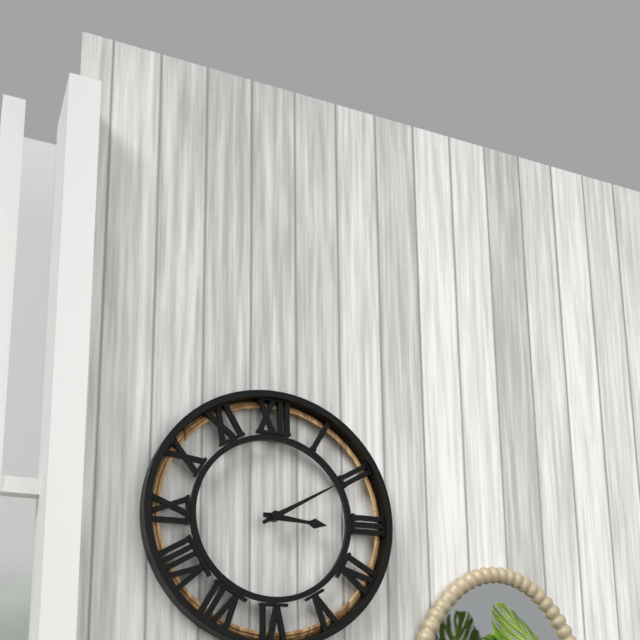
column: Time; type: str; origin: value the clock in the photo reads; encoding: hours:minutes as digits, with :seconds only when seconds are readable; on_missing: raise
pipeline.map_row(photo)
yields 3:10
